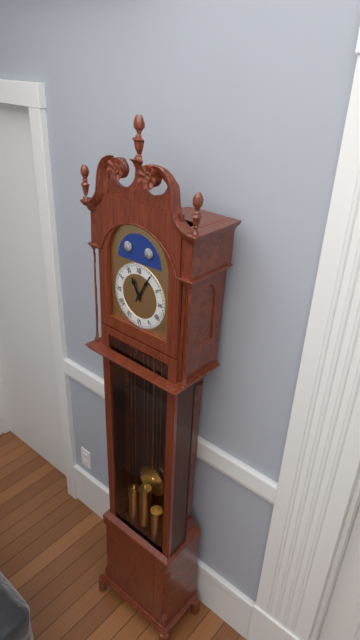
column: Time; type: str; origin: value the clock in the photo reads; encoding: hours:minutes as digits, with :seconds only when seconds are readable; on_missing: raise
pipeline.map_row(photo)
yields 11:05
